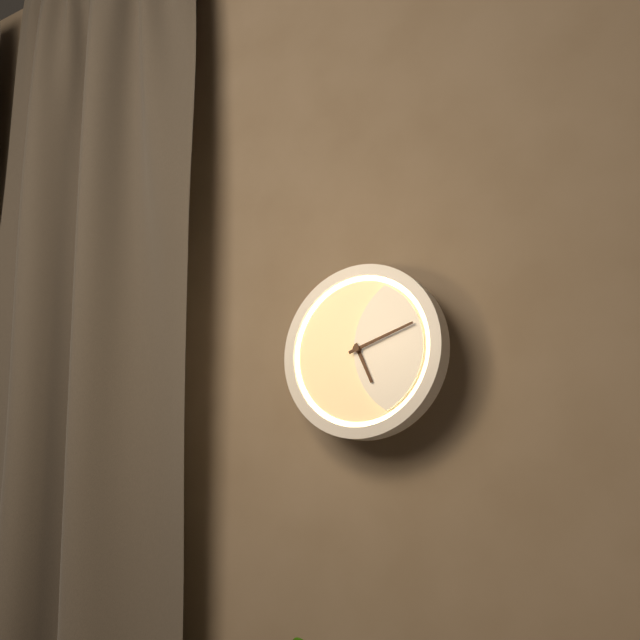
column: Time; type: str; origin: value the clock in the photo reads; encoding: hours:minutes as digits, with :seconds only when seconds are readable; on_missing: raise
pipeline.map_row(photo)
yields 5:12
